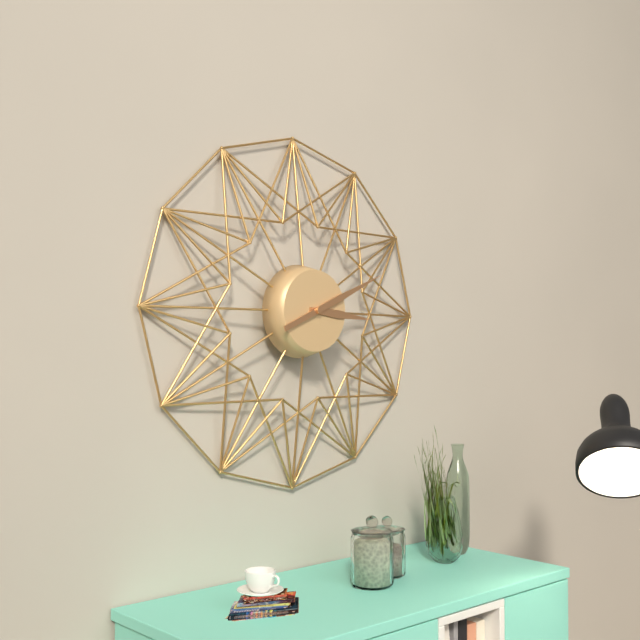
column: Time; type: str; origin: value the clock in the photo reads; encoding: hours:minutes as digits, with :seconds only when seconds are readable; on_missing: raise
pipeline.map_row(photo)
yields 3:11
